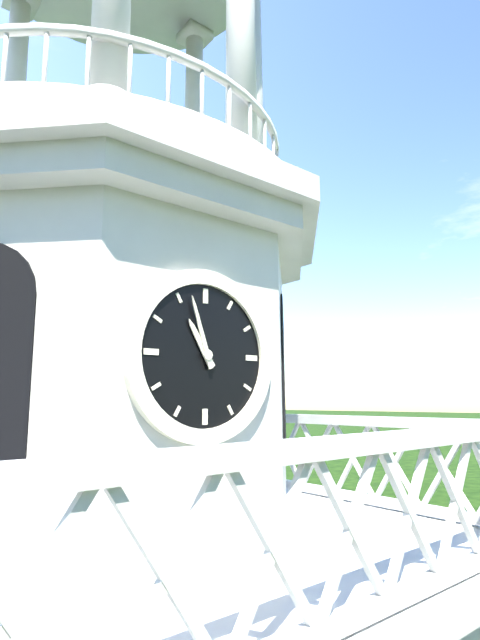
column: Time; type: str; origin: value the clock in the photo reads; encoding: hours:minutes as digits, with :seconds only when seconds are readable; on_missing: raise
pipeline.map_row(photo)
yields 10:57
